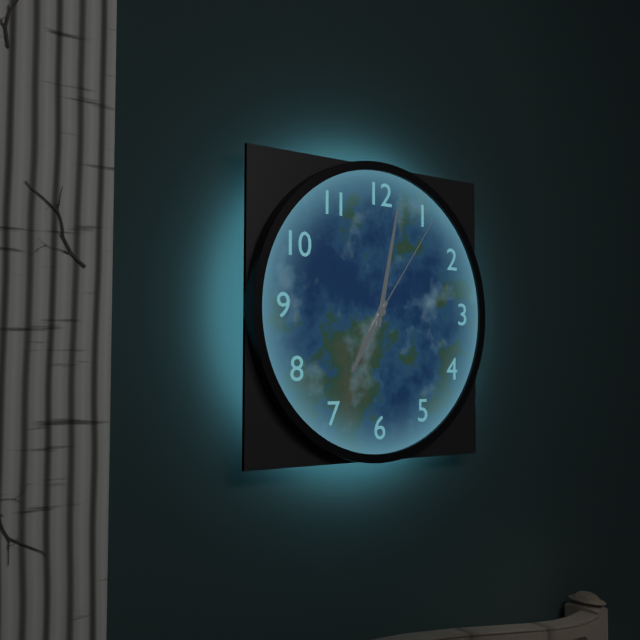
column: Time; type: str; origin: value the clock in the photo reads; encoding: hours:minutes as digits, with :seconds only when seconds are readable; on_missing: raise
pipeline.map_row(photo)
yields 7:02:06
